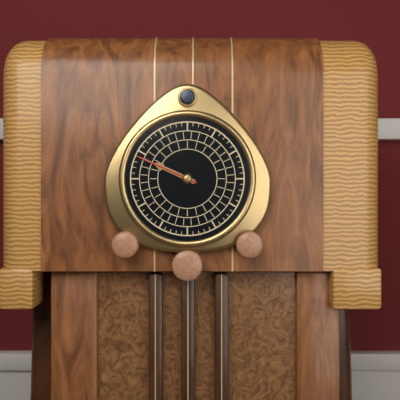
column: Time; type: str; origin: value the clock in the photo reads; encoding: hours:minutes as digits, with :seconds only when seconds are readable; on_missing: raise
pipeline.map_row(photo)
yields 9:49
